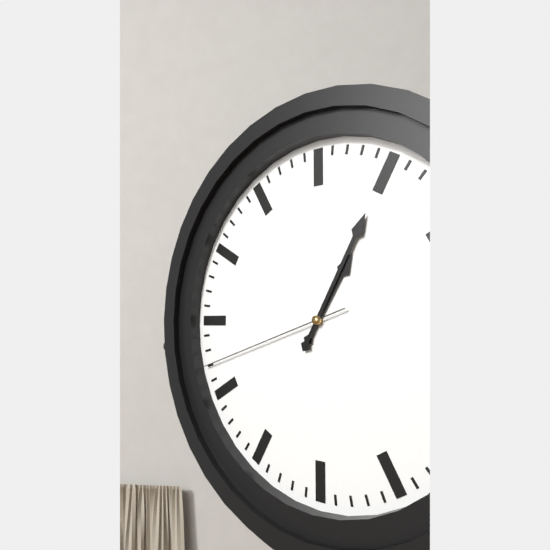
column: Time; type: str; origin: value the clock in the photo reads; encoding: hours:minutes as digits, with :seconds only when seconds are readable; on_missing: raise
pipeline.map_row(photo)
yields 1:05:42
